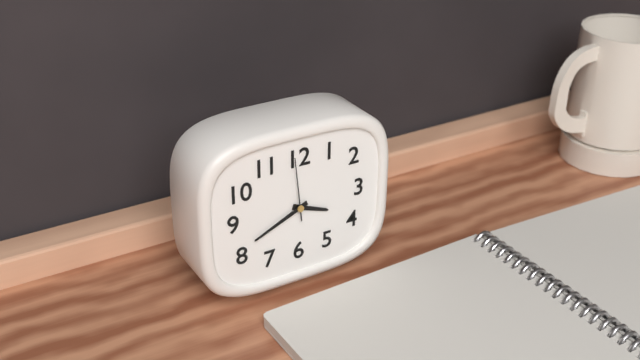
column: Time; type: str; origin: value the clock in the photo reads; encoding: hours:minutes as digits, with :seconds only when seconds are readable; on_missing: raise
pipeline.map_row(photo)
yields 3:41:59
